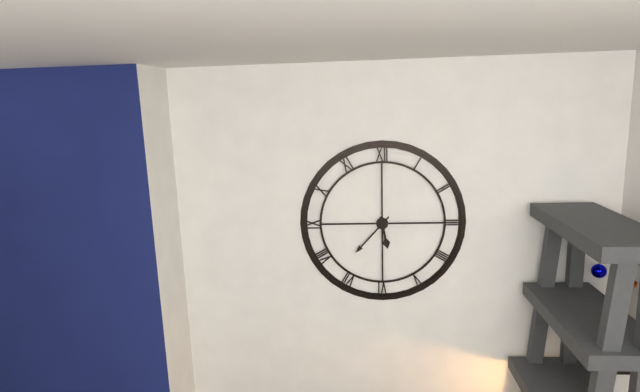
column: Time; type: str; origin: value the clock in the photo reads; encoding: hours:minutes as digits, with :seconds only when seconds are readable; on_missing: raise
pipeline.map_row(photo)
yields 5:37
